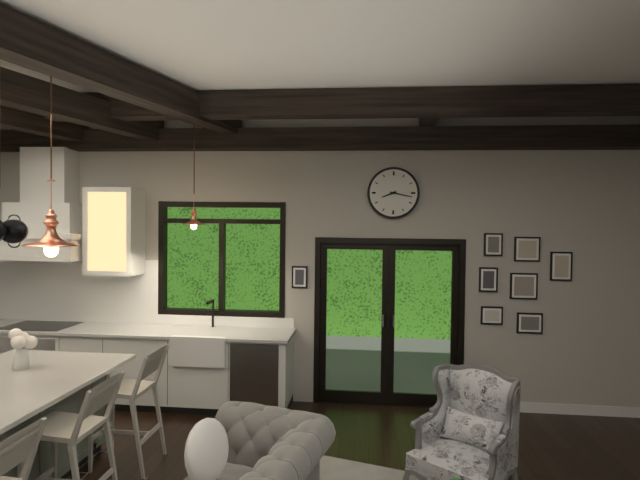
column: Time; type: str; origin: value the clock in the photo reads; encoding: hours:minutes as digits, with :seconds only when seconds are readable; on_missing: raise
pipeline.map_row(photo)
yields 8:17
